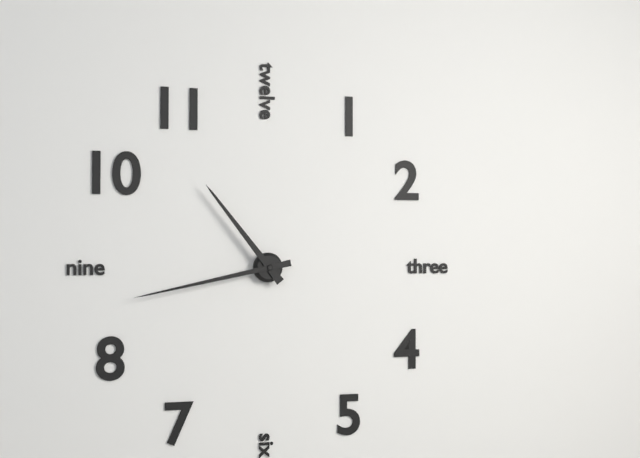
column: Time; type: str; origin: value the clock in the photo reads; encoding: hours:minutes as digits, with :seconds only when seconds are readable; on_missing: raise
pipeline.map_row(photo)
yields 10:43
